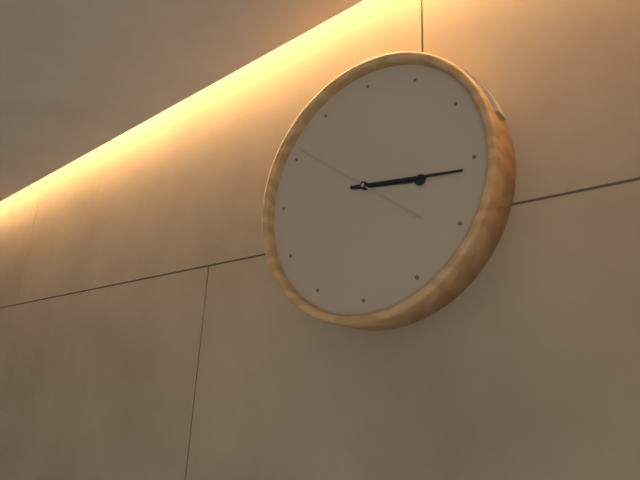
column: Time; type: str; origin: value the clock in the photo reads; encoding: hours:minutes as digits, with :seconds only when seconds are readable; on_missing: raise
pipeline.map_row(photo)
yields 3:16:51
